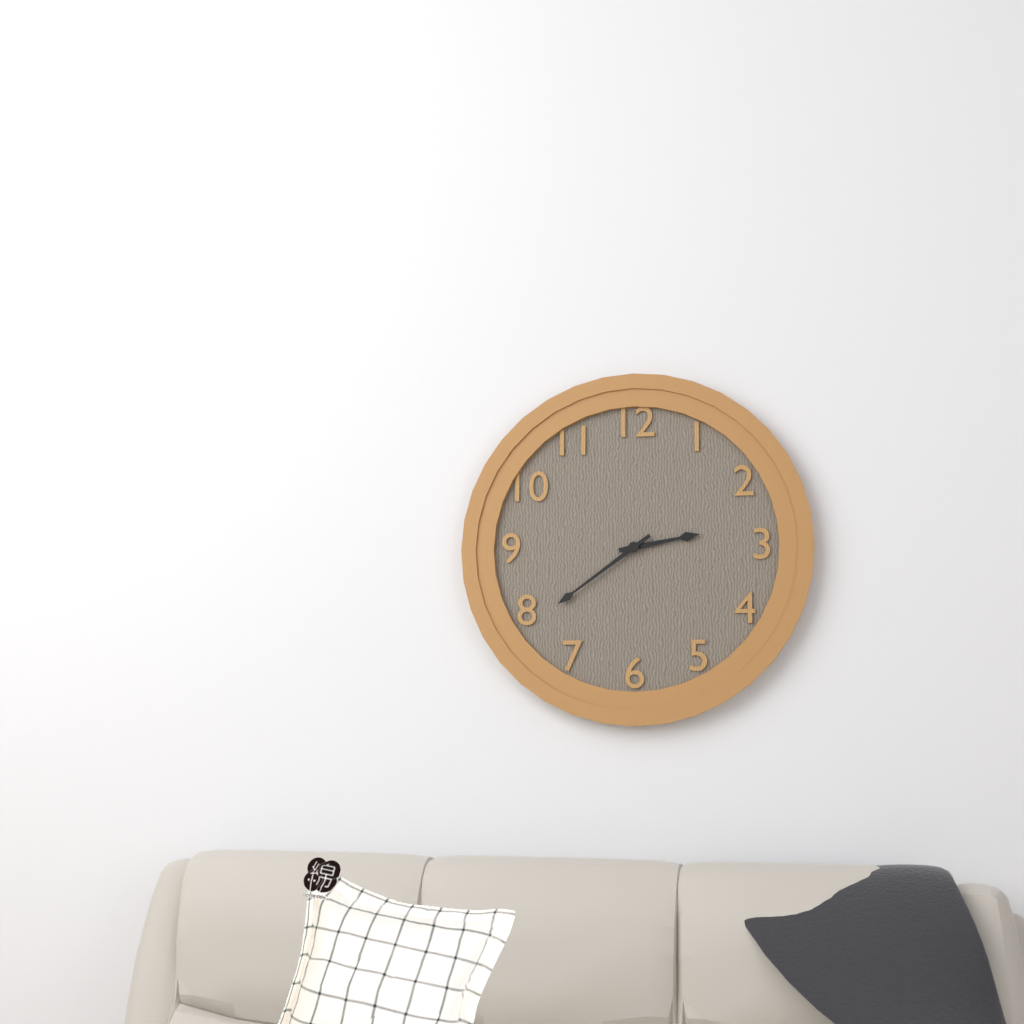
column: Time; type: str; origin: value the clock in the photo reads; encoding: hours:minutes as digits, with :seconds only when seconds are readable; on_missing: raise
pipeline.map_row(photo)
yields 2:39
